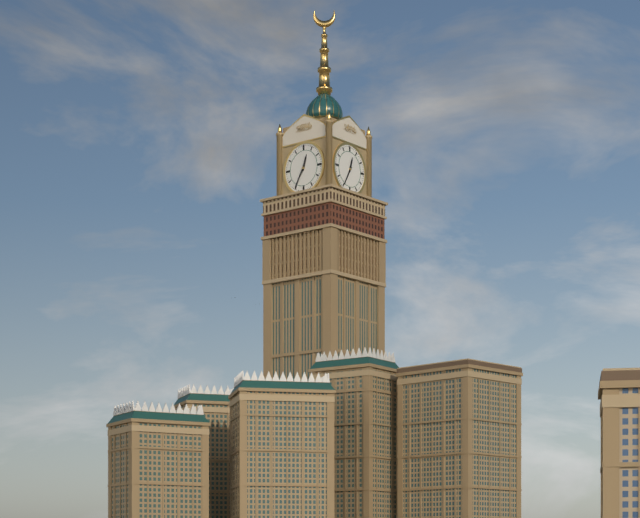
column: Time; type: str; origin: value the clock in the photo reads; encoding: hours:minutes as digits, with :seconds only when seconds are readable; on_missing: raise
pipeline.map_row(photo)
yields 12:35
